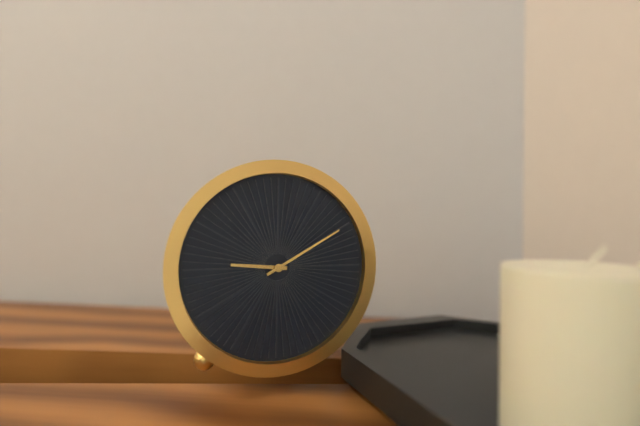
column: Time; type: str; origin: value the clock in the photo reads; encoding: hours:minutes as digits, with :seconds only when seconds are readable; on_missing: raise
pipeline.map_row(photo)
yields 9:10
